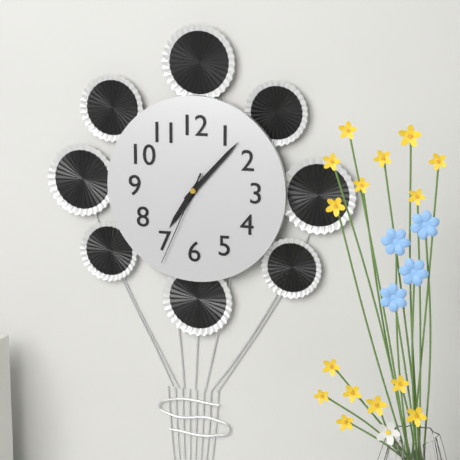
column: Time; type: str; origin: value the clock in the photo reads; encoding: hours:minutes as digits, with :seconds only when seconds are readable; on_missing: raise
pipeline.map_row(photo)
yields 7:07:34
